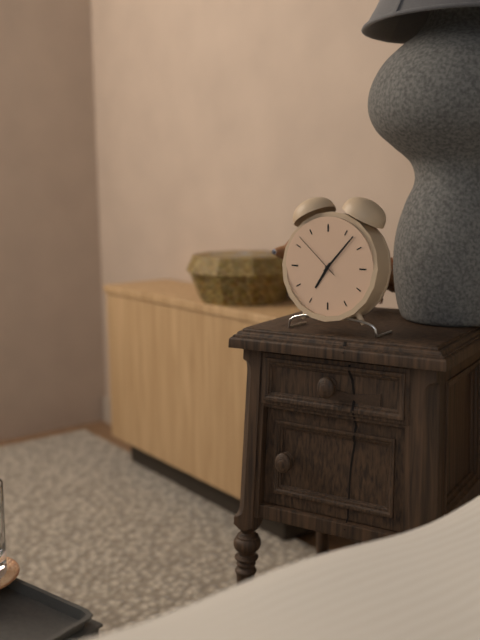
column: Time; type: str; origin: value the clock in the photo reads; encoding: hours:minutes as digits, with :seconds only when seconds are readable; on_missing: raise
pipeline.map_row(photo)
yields 7:07:52
